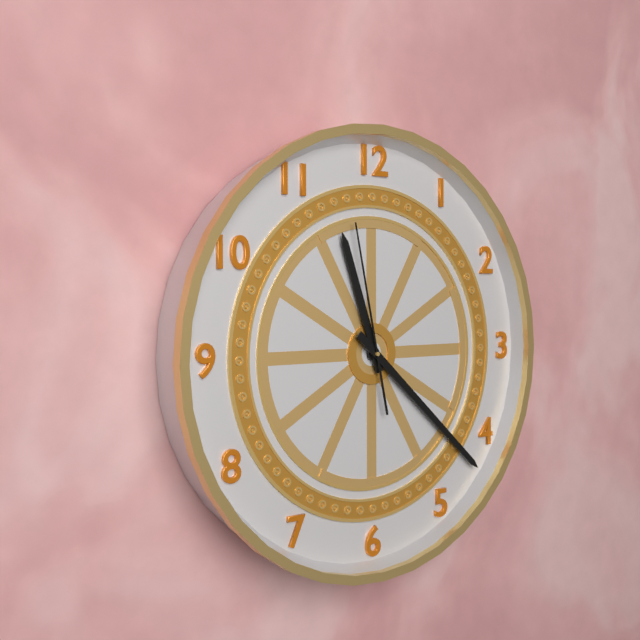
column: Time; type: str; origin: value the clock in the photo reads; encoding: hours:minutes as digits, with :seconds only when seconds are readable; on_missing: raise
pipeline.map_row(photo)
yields 11:22:58
